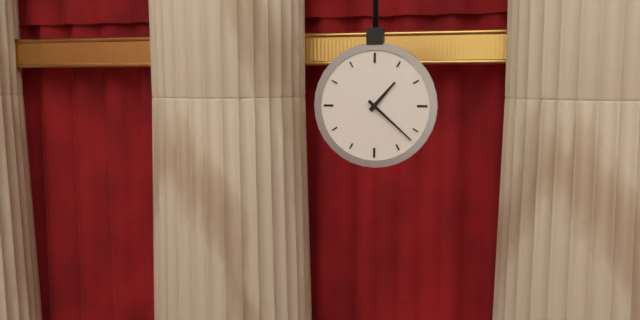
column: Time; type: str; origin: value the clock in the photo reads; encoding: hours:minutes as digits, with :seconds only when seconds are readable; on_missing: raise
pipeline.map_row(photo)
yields 1:22
